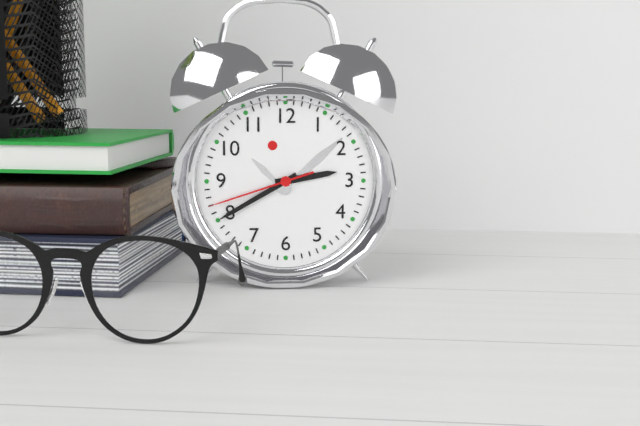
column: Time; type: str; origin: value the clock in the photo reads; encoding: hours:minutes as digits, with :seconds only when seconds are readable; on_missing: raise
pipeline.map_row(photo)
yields 2:40:42
